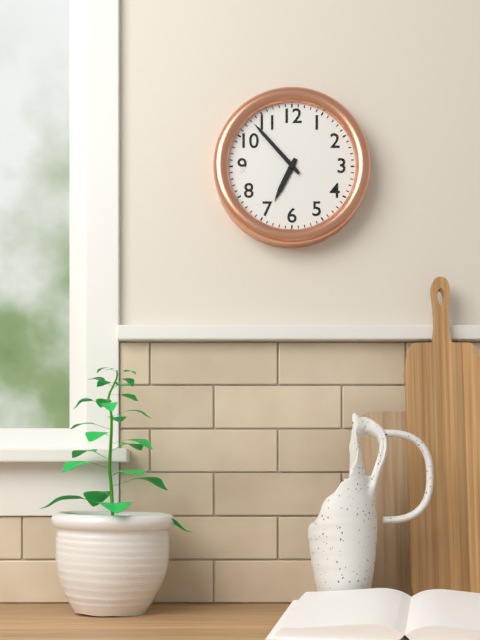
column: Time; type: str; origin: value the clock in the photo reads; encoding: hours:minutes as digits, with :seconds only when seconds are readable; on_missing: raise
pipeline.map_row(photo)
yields 6:53
